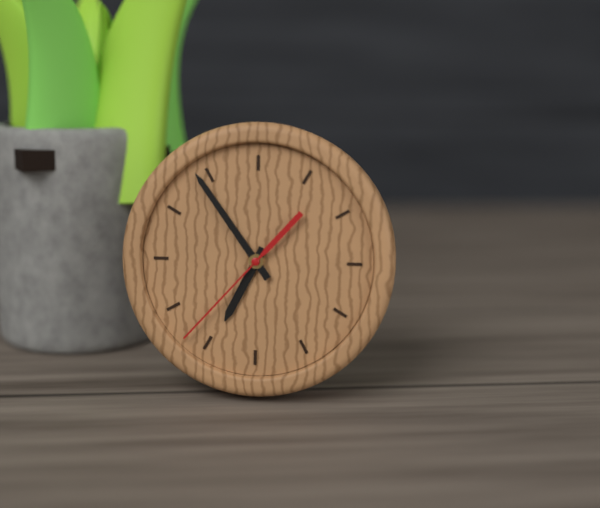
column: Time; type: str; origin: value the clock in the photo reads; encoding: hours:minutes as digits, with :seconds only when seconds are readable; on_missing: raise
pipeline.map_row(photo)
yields 6:54:37
